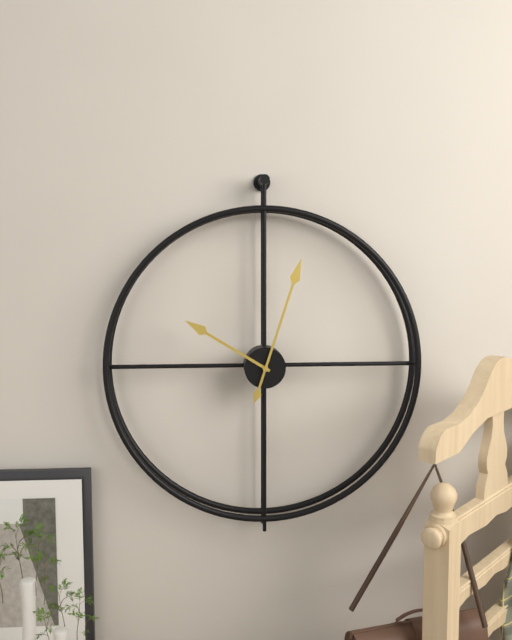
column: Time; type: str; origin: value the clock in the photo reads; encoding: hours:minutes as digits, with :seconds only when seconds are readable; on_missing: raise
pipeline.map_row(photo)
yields 10:03
